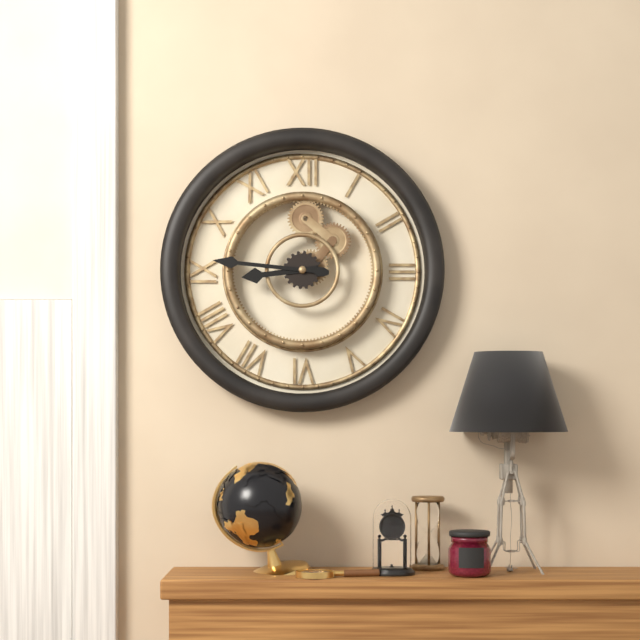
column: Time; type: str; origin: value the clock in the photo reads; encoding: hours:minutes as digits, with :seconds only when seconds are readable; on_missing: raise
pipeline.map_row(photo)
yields 8:46
